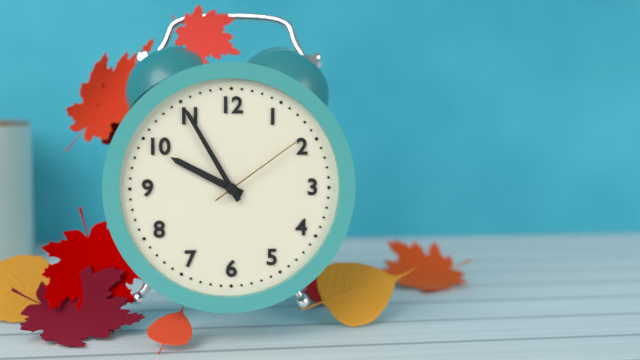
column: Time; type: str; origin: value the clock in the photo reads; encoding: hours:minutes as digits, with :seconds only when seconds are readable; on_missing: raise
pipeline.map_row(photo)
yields 9:55:09
